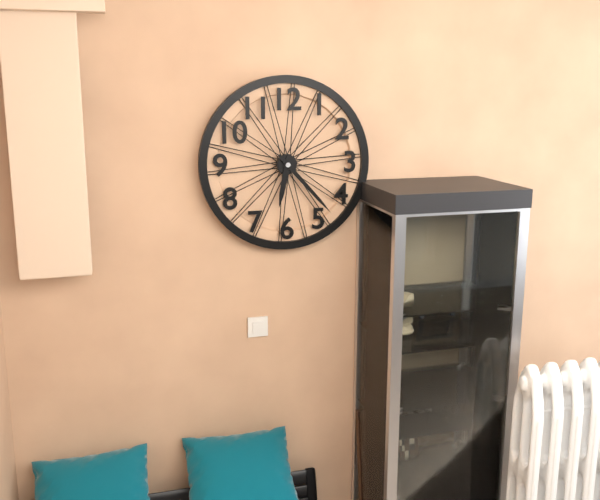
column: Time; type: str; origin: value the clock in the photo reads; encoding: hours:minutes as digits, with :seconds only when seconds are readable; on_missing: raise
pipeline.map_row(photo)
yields 6:23
